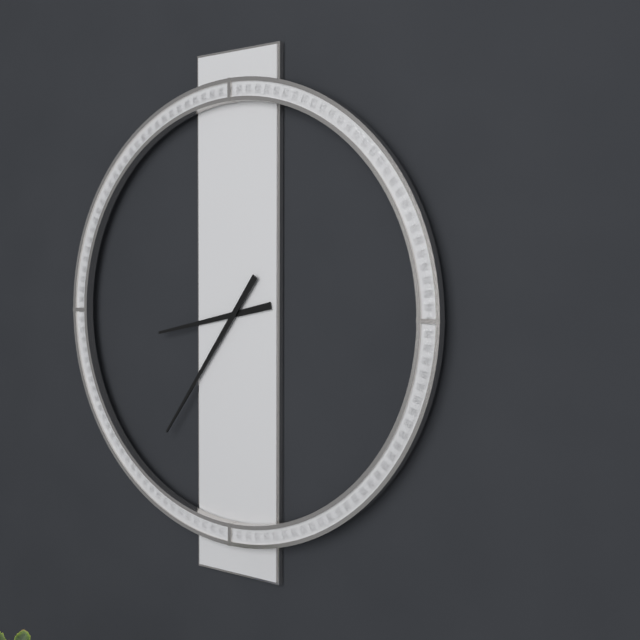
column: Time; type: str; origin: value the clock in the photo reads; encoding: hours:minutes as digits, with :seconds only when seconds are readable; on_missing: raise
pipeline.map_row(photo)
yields 8:36
